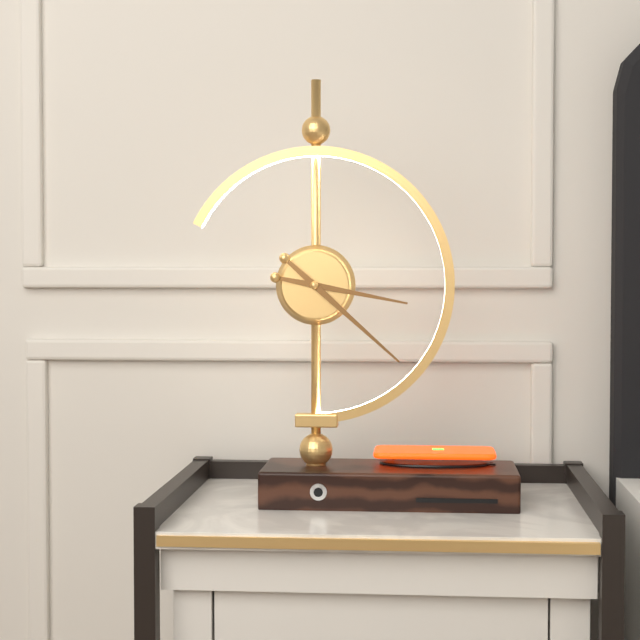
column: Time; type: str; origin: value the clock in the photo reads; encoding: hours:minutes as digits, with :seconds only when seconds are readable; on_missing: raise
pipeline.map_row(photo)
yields 3:22
